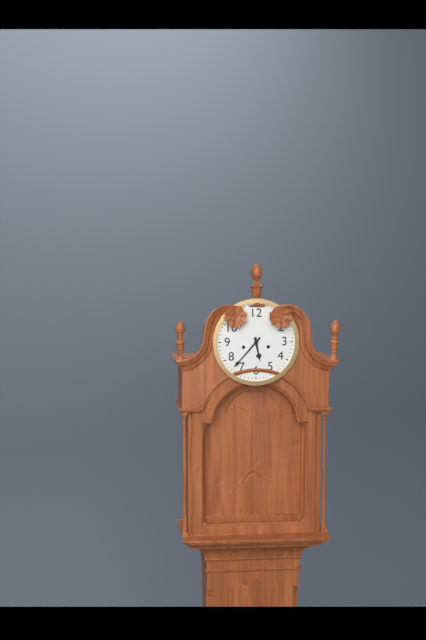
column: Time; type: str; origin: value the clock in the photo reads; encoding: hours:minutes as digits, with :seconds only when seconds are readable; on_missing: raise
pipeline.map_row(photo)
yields 5:37
